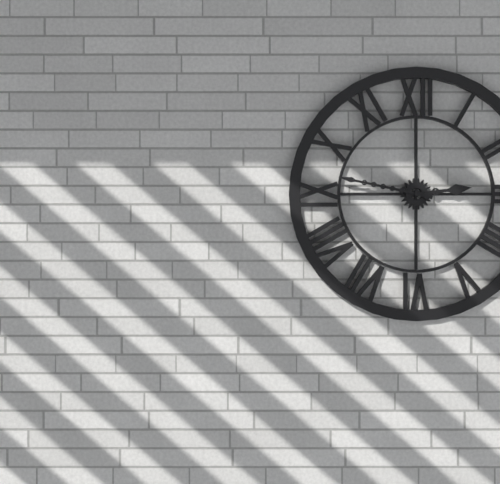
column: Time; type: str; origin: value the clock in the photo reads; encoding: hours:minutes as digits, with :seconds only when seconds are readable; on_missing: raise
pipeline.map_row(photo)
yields 2:47
